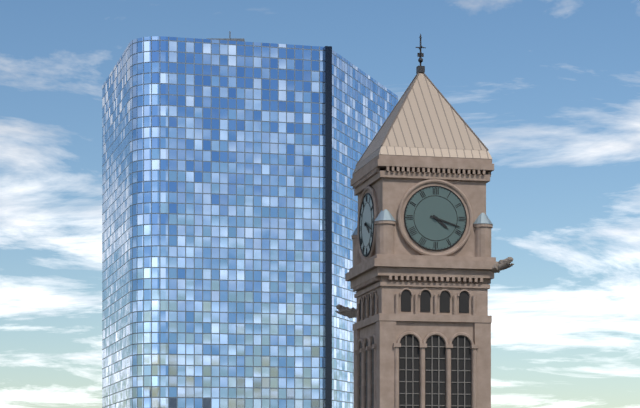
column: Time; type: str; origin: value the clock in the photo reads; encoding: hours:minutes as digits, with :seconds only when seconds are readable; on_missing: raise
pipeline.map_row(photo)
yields 4:18
